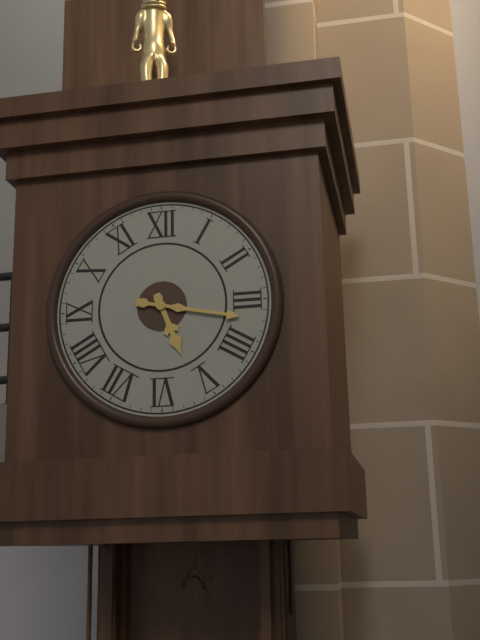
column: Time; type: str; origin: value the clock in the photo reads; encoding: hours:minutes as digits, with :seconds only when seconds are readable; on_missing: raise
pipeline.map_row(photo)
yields 5:17
